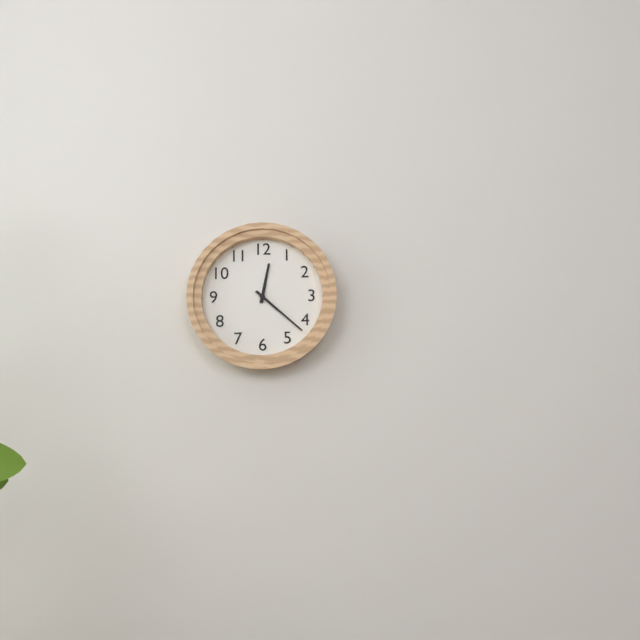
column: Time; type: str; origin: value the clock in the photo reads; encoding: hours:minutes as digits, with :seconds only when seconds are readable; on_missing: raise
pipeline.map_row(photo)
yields 12:22
